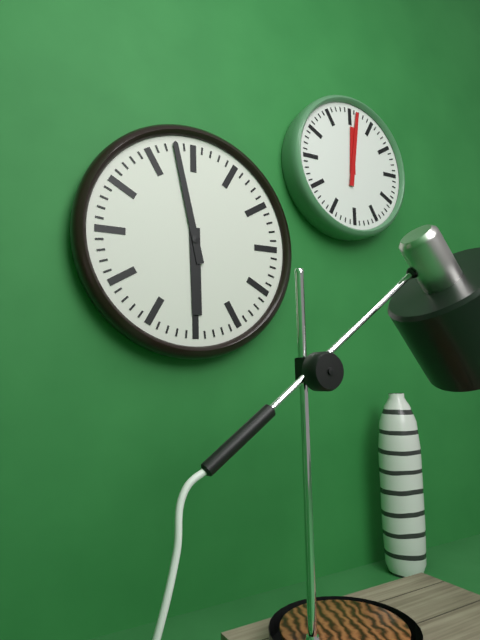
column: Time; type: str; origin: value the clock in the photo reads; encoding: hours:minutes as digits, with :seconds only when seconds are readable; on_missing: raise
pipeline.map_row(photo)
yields 5:58
